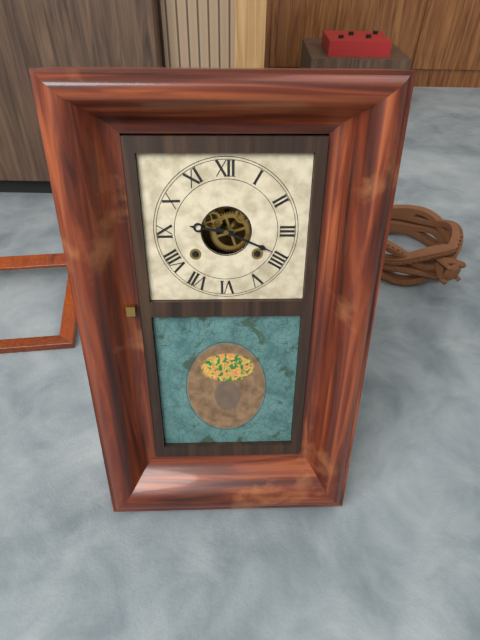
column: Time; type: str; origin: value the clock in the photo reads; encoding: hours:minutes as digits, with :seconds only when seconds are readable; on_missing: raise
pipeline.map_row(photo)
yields 9:19
